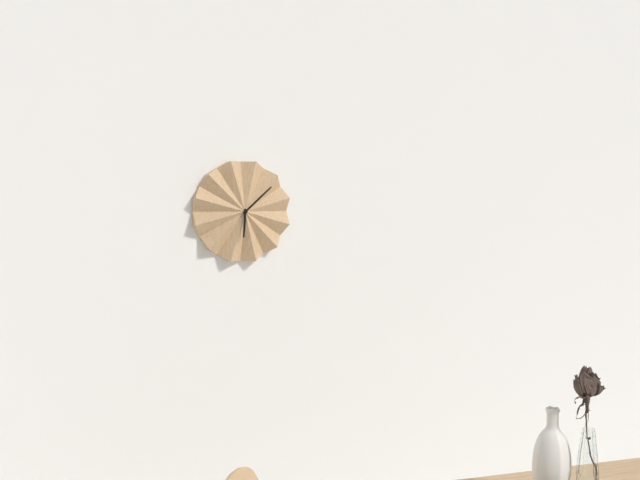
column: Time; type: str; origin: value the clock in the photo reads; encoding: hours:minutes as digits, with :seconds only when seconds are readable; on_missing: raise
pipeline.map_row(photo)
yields 6:08
